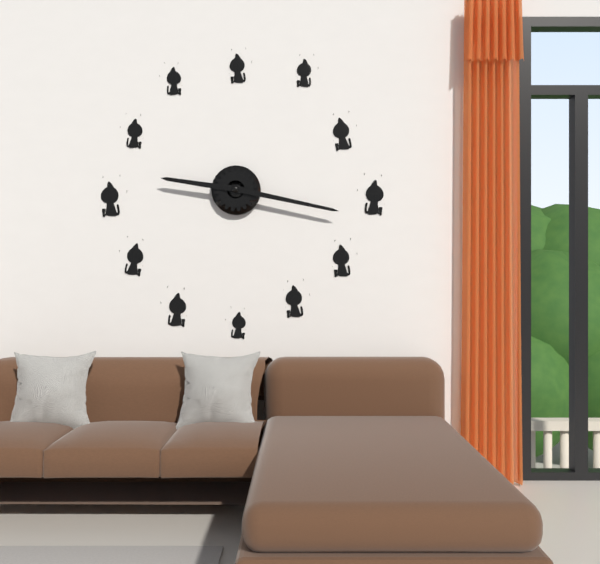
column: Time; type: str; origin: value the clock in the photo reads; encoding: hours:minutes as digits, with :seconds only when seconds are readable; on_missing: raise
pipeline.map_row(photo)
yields 9:17
